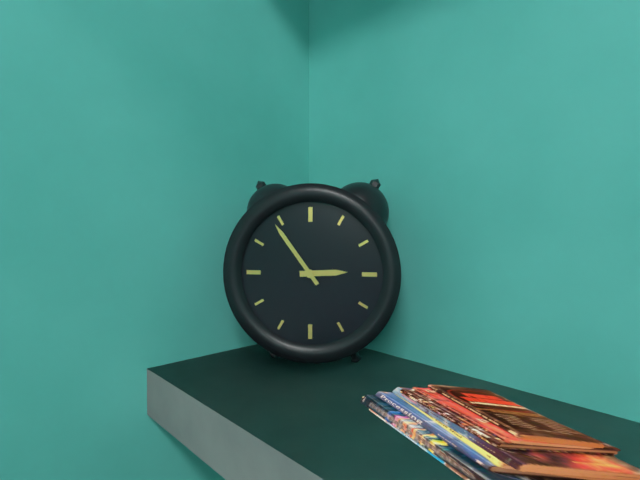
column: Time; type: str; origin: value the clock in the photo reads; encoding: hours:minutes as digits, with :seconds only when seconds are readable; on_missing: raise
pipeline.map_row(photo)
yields 2:54
